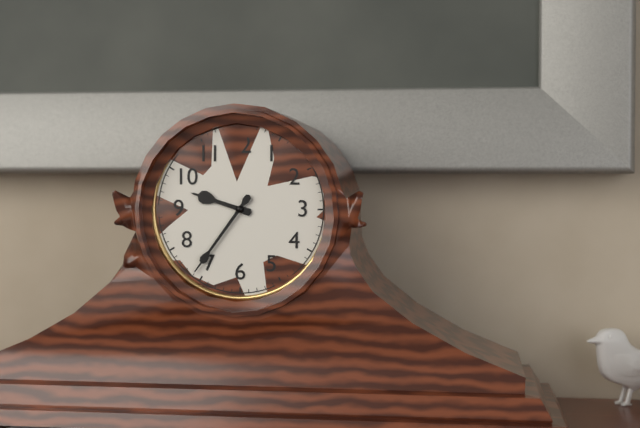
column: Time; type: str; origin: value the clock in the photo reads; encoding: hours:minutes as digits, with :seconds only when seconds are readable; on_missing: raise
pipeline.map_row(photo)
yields 9:36
